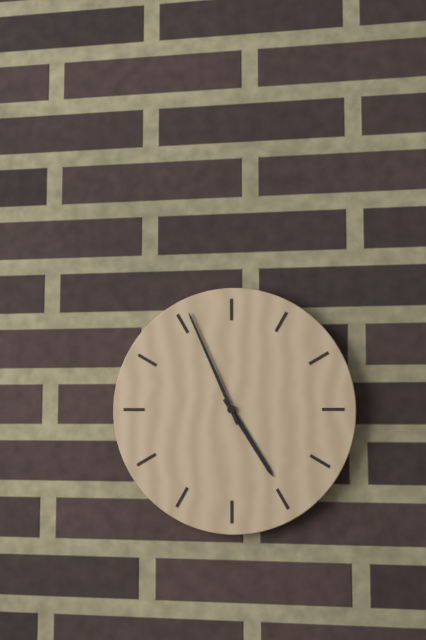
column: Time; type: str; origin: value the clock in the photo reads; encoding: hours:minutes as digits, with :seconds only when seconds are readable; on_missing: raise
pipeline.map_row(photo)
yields 4:56
